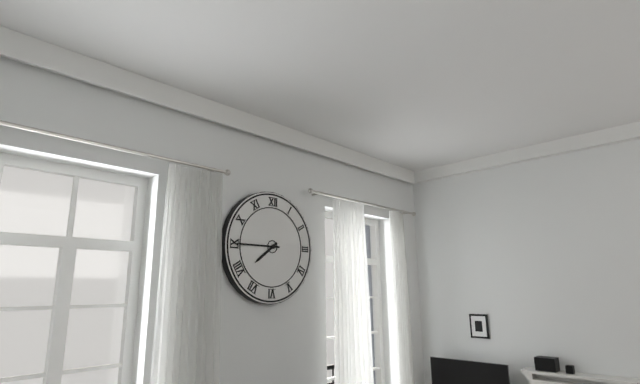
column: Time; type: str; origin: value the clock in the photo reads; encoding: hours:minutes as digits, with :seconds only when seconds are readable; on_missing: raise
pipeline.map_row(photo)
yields 7:45
